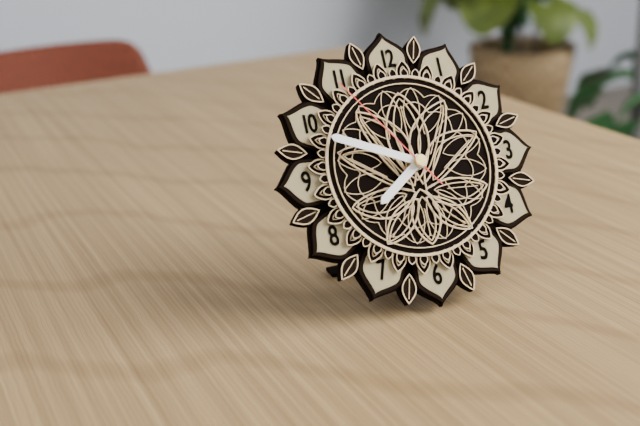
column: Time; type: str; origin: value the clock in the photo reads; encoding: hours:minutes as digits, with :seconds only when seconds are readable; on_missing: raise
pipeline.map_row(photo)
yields 7:49:54
